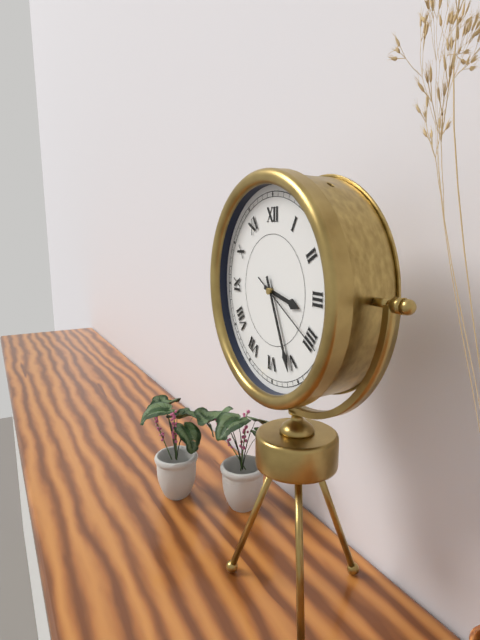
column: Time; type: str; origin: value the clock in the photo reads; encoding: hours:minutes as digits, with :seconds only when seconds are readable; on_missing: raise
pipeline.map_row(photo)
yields 3:26:20
